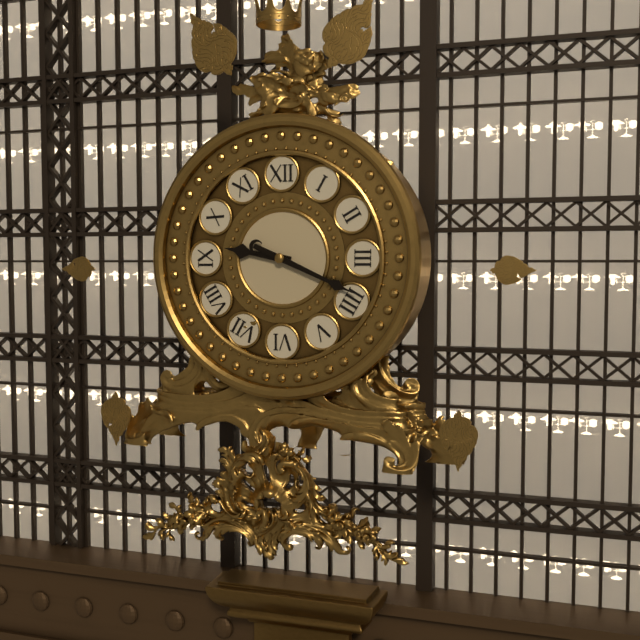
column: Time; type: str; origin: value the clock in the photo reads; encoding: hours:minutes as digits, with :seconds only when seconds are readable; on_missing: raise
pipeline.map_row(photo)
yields 9:19
